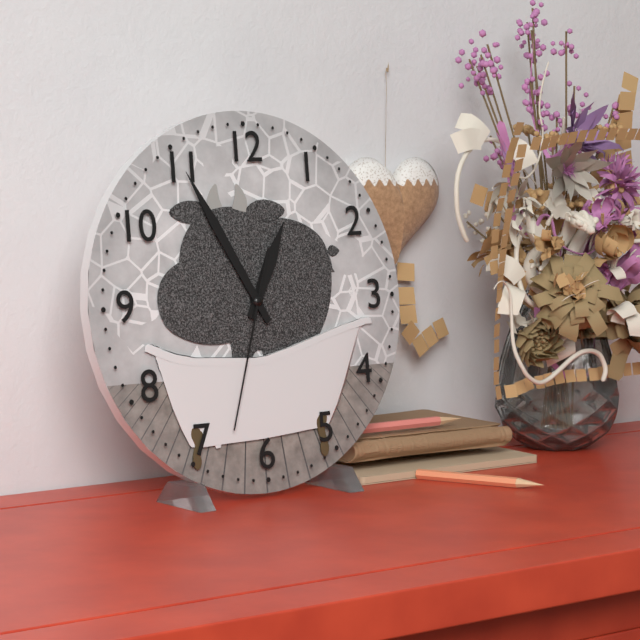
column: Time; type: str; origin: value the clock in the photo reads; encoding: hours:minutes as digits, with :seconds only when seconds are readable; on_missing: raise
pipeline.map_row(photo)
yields 12:55:33
